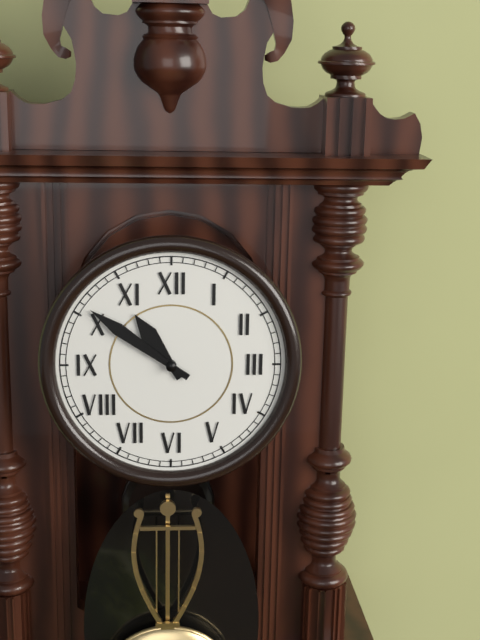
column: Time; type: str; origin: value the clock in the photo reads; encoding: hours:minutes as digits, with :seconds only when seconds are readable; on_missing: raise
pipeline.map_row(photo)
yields 10:51
